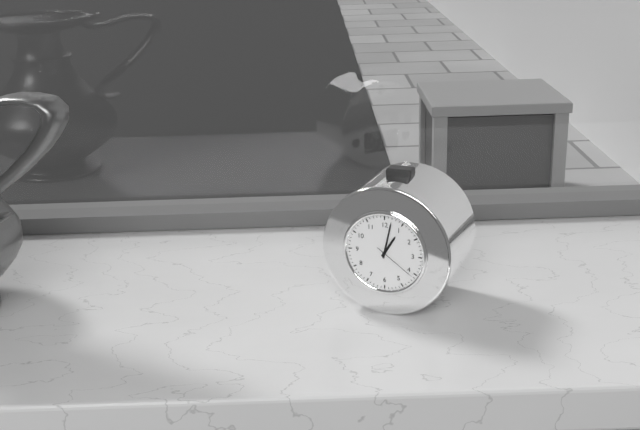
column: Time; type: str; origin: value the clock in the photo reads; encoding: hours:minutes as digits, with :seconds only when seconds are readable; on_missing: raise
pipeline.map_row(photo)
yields 1:02
